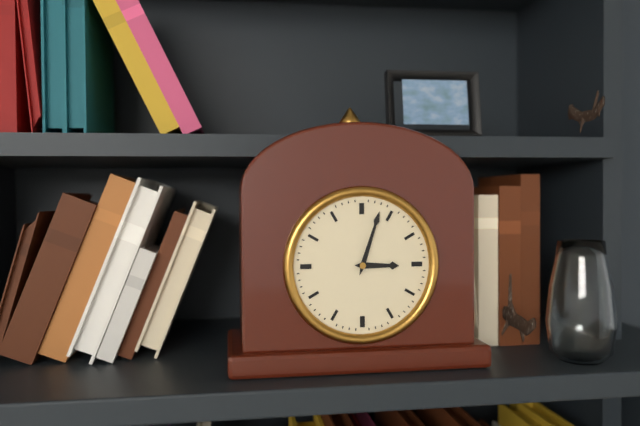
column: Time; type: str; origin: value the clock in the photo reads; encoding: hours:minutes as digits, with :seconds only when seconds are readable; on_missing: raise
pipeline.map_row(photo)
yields 3:03
